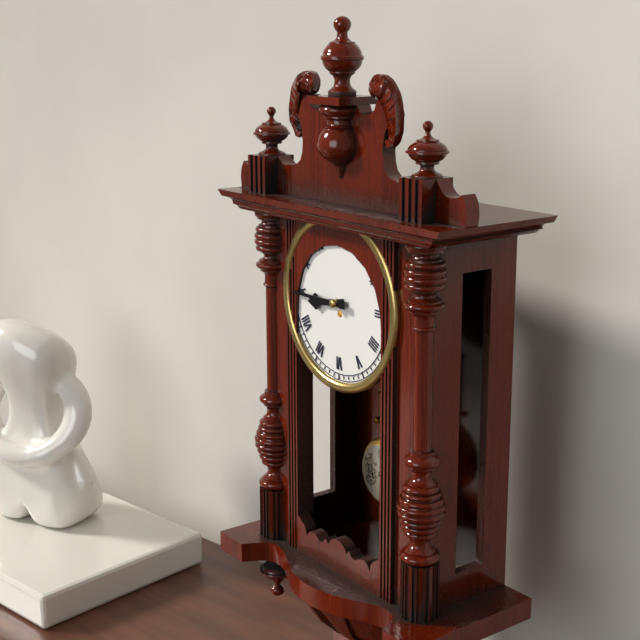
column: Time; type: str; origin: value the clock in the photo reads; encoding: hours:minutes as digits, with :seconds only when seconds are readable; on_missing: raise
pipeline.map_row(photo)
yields 8:45
